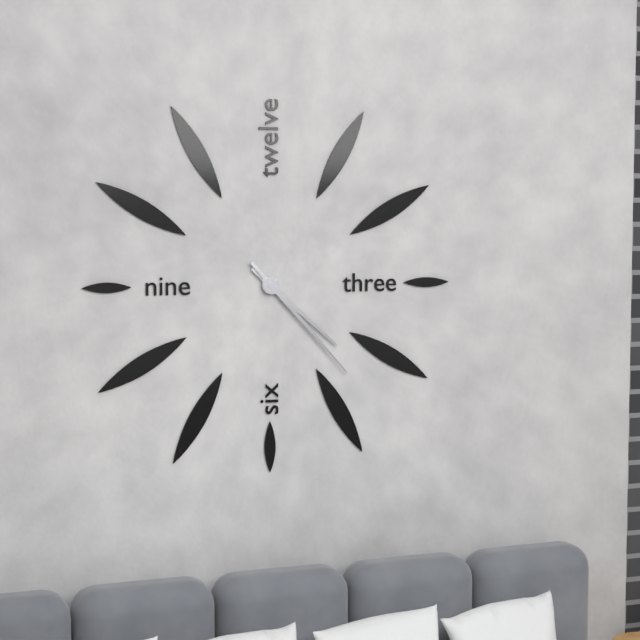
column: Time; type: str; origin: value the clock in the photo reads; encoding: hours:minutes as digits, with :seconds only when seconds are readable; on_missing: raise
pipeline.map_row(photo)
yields 4:23
